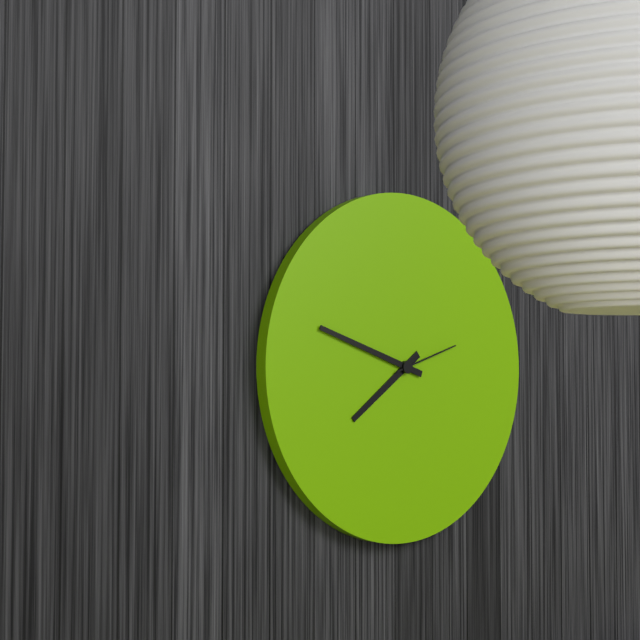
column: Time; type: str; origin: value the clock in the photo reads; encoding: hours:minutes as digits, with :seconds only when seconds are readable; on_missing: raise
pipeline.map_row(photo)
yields 7:48:12
